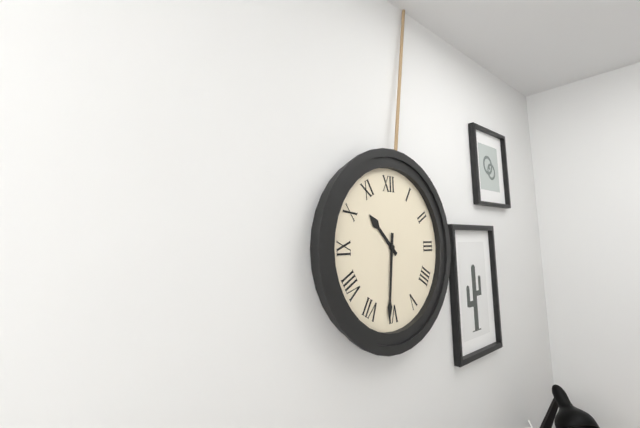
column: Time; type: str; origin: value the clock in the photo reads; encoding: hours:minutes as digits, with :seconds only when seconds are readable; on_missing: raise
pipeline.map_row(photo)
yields 10:31
